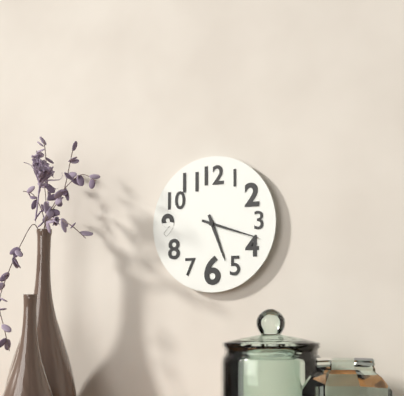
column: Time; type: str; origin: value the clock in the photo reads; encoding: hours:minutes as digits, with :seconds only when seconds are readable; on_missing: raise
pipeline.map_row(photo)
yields 5:18
